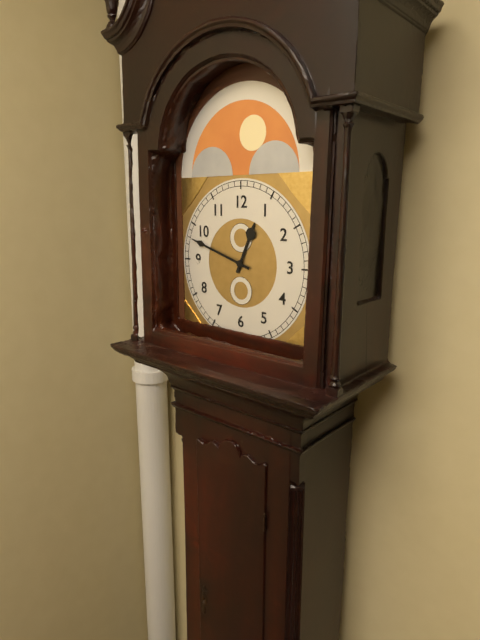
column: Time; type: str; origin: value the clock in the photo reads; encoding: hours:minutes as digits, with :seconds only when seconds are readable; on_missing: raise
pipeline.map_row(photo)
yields 12:48
